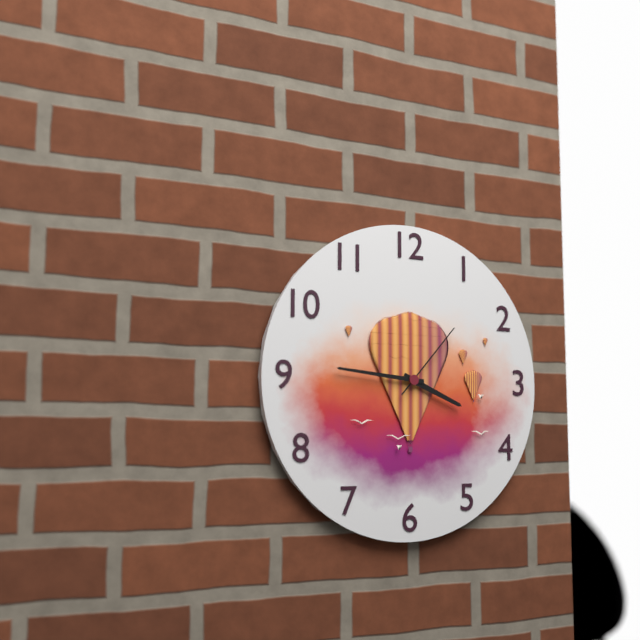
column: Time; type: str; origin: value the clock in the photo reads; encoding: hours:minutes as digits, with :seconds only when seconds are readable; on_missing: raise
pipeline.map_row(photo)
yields 3:46:07
